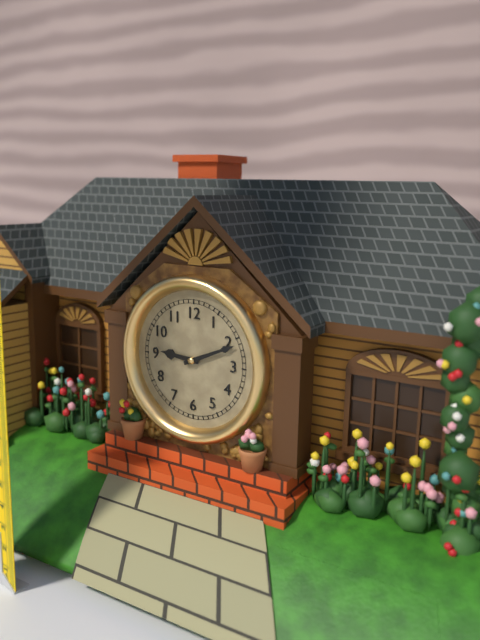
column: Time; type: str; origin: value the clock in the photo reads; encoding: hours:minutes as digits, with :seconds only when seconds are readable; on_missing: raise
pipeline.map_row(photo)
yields 9:11
